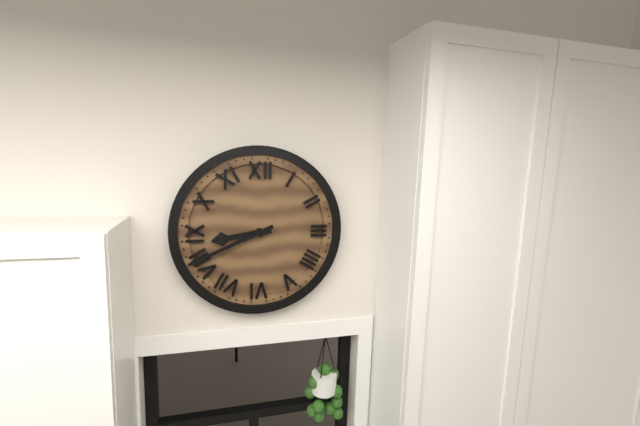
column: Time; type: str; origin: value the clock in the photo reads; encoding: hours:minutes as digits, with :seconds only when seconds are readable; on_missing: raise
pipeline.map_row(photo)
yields 8:41
